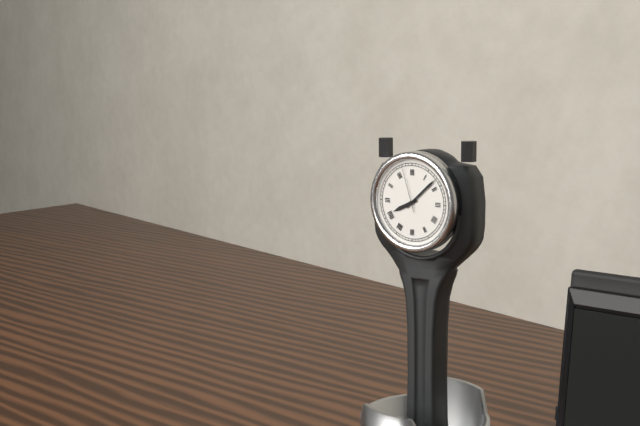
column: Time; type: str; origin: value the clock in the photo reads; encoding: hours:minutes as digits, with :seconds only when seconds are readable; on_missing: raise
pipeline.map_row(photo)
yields 8:08
